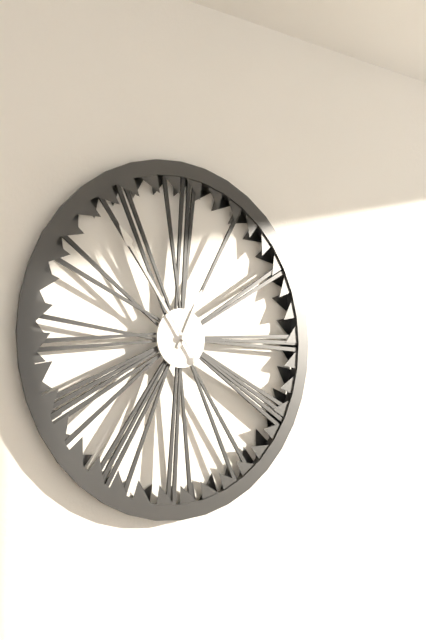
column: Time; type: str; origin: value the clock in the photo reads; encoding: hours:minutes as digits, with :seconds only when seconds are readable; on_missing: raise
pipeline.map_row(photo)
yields 12:54
